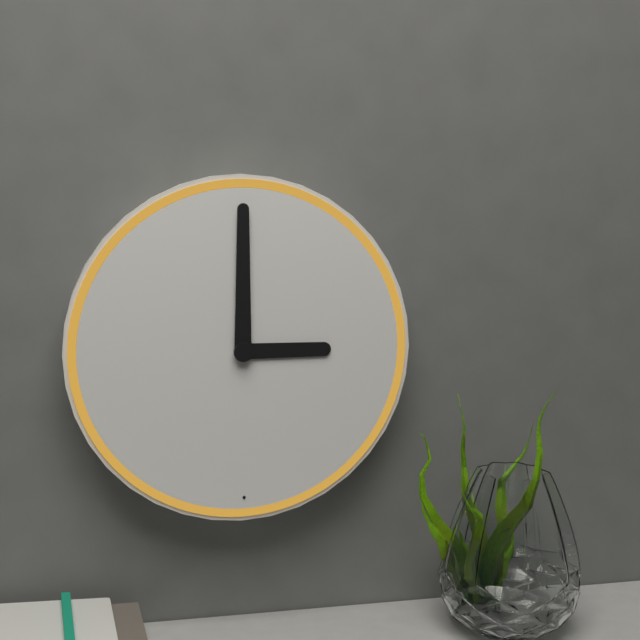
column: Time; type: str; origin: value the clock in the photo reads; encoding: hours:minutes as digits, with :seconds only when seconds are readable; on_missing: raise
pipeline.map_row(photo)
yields 3:00
